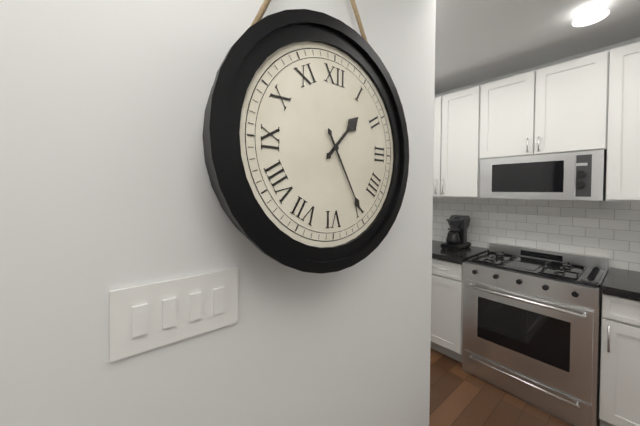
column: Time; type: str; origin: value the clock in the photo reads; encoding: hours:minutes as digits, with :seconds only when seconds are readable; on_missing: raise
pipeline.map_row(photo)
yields 1:25
